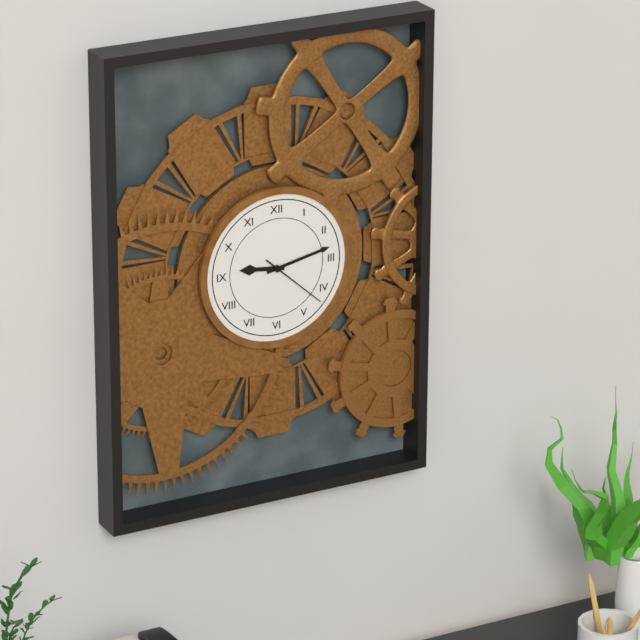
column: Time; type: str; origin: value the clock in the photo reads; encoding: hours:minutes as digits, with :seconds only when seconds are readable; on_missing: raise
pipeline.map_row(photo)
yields 9:13:22
